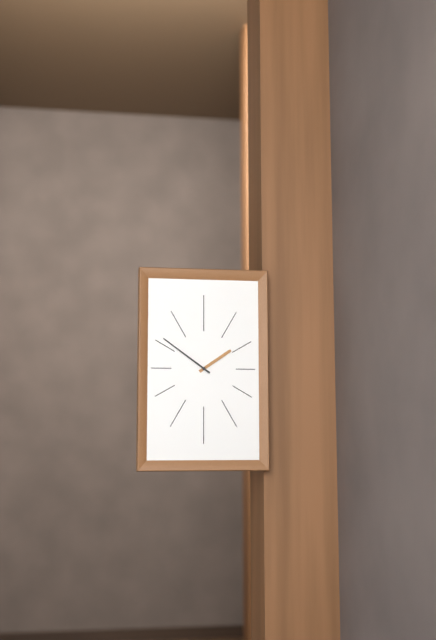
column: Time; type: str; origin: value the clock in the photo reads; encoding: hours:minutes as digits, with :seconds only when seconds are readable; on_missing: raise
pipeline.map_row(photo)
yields 1:51
